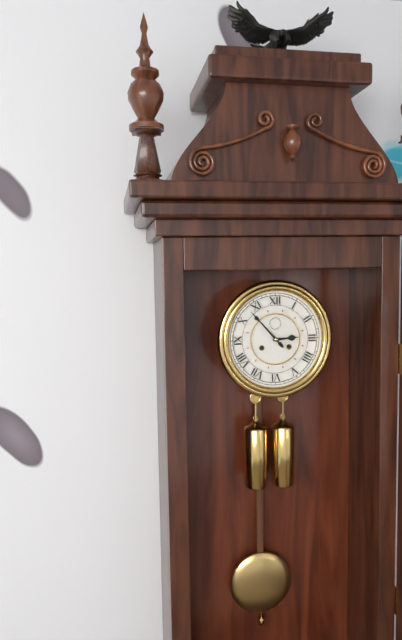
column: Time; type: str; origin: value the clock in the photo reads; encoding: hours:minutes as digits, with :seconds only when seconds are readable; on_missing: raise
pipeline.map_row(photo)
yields 2:53
